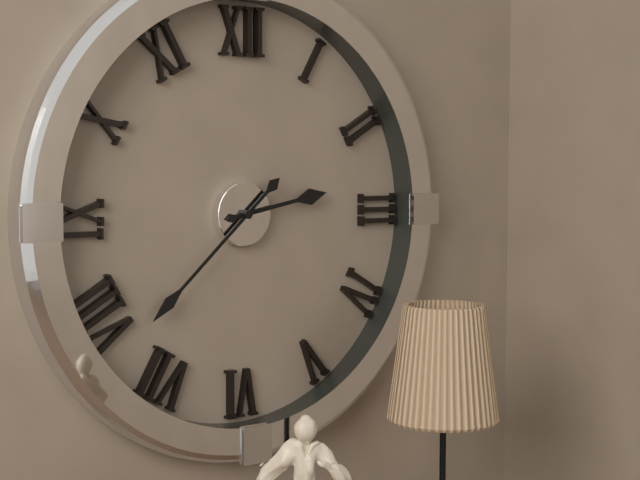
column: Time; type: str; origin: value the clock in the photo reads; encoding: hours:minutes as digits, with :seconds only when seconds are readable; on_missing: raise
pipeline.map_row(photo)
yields 2:38
